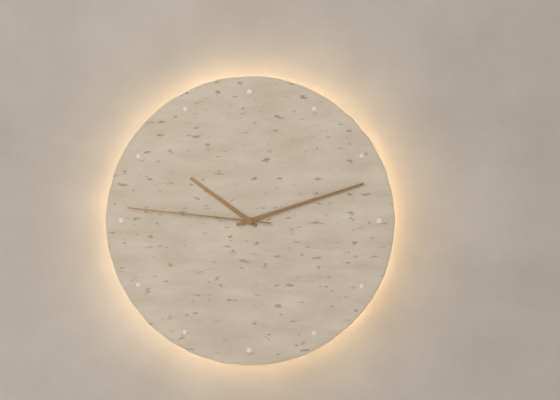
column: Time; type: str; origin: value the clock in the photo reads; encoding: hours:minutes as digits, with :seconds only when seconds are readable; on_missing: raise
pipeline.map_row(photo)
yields 10:12:46
